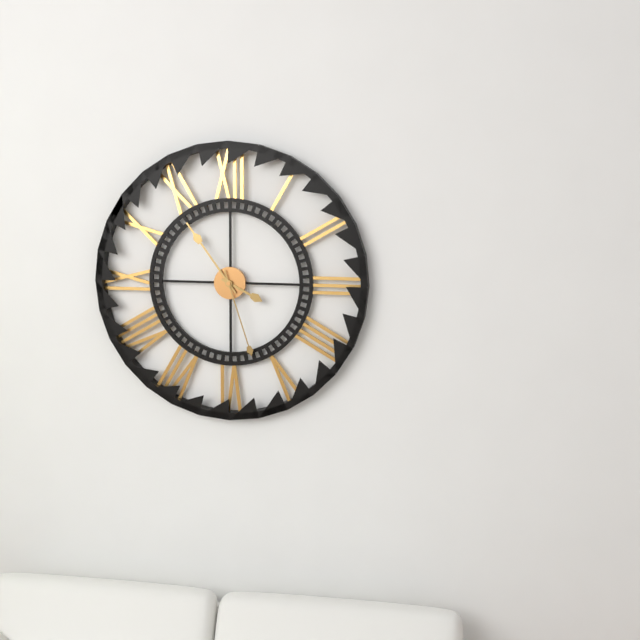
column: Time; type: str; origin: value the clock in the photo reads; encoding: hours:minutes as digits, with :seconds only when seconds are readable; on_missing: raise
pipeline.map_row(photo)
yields 3:54:27
